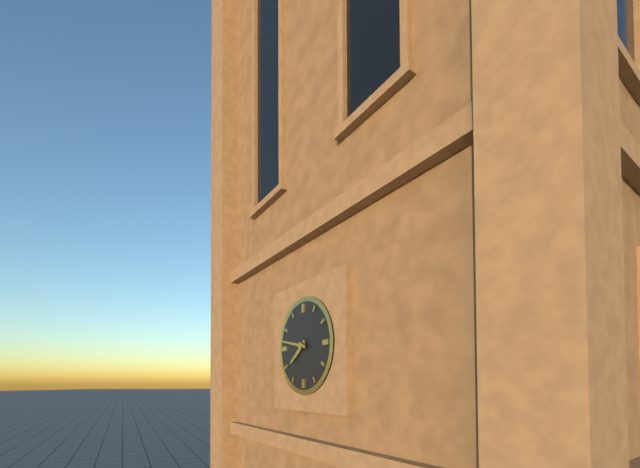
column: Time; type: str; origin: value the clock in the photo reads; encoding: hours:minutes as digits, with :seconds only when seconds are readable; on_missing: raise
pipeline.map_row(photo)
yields 7:47
